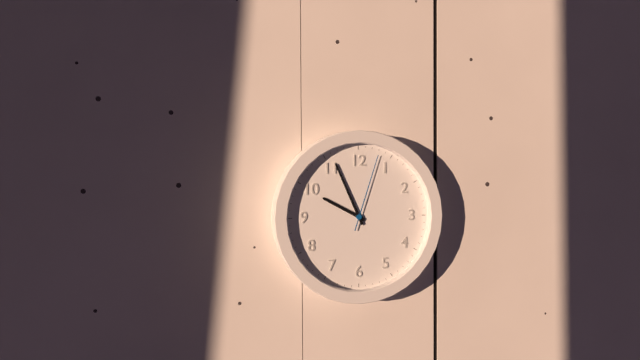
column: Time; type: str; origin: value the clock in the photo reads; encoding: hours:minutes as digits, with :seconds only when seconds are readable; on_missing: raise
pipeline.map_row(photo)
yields 9:56:03
